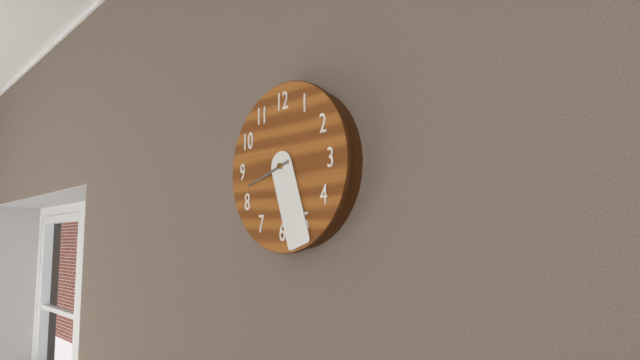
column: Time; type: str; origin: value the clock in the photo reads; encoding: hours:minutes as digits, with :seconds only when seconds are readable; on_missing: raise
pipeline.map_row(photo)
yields 8:27
